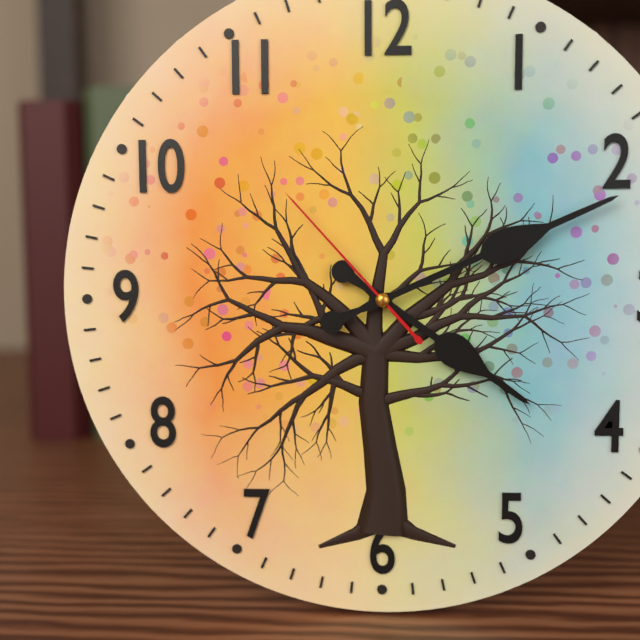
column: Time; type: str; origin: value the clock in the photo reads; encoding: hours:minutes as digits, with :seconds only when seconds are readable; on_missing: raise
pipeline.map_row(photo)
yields 4:11:53
